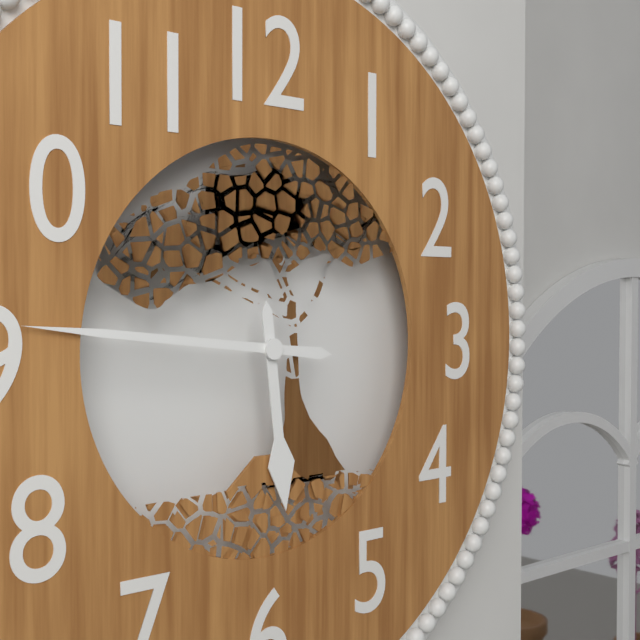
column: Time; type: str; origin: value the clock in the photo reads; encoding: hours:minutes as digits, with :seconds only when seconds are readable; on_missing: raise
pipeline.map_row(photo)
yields 5:46
